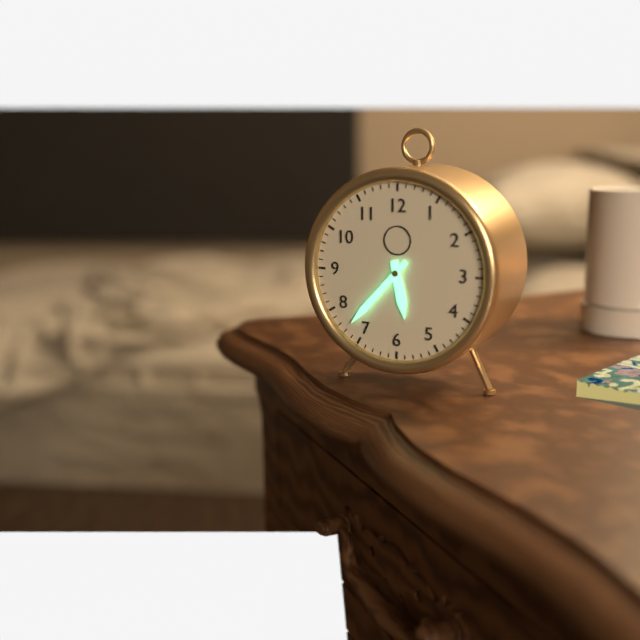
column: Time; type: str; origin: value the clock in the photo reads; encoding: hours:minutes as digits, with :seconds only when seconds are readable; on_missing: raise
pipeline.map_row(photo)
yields 5:37
